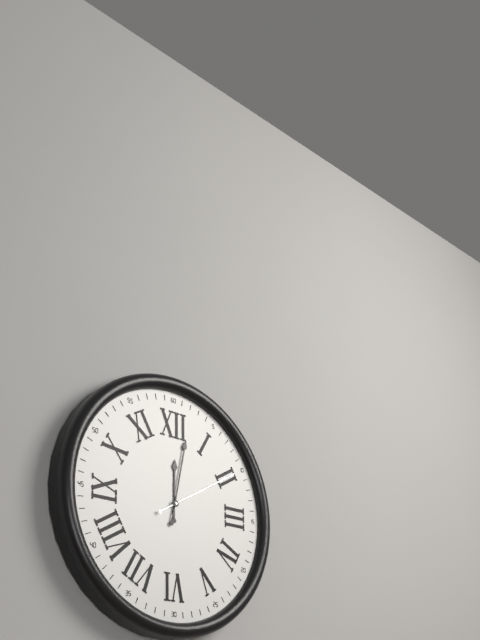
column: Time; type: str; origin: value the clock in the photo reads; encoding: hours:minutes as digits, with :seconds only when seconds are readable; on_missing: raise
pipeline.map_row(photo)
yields 12:02:10
